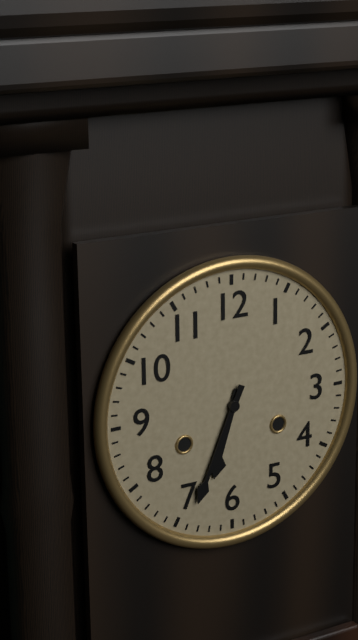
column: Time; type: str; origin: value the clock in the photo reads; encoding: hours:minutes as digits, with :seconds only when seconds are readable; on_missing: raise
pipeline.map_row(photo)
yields 6:34
